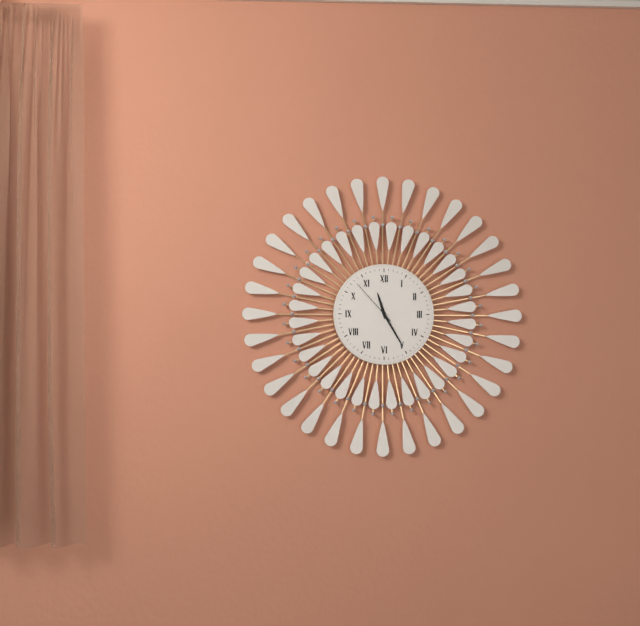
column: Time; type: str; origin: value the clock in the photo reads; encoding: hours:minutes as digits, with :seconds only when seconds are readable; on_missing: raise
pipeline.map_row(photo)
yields 11:25
